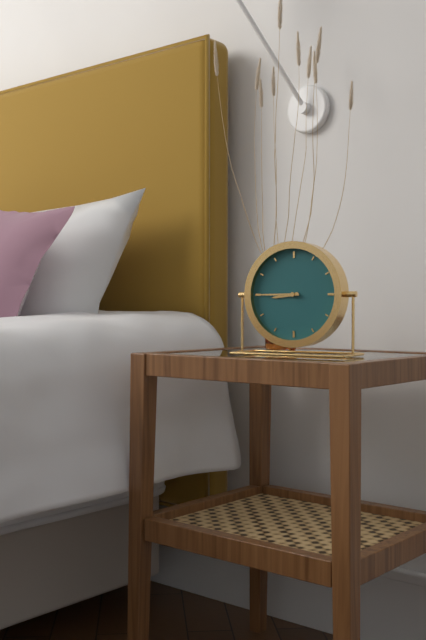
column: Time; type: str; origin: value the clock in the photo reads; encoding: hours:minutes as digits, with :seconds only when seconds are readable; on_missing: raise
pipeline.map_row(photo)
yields 8:45
